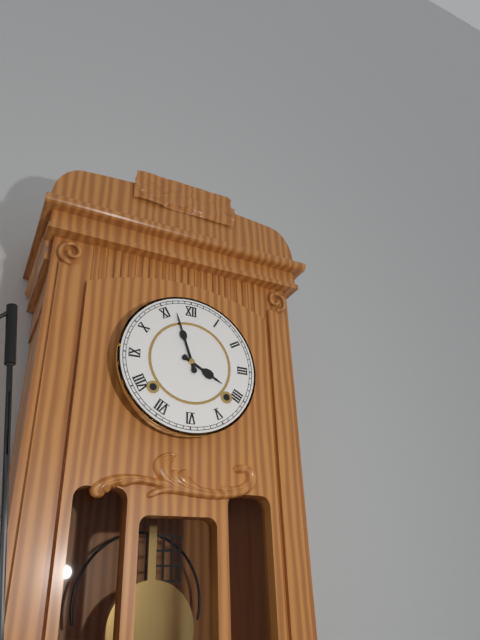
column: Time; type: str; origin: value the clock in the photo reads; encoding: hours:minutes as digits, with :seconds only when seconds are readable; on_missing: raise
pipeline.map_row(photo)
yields 3:57
